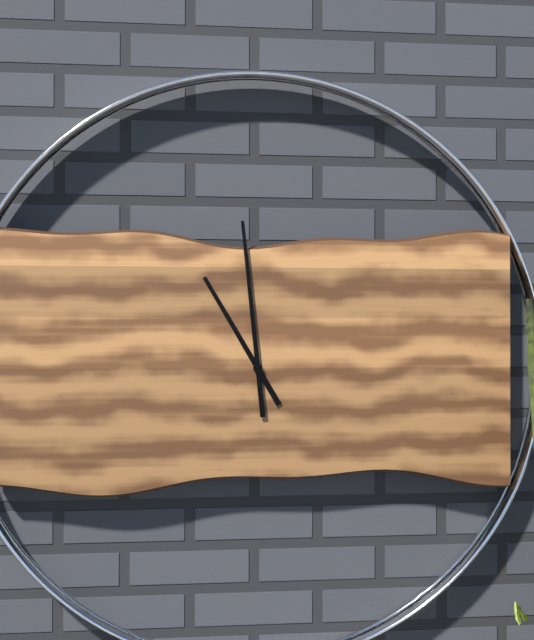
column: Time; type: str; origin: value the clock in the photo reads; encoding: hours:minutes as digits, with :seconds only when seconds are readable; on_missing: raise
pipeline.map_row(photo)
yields 10:59
